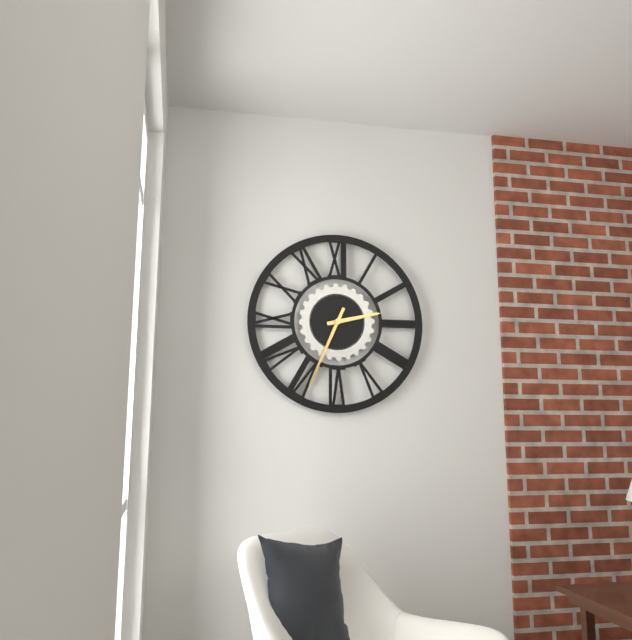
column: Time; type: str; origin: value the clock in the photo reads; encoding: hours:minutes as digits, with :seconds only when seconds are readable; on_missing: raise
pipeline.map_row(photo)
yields 2:34
